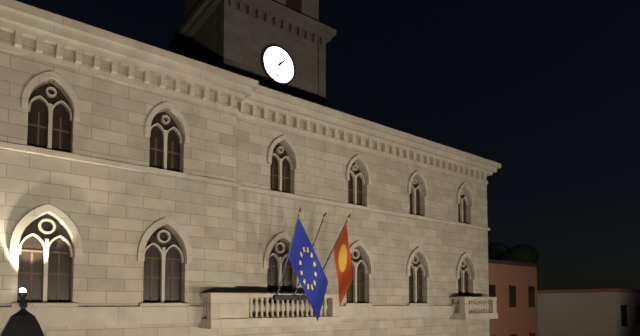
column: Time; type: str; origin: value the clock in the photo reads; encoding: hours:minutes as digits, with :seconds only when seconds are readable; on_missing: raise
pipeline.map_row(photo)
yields 1:32
